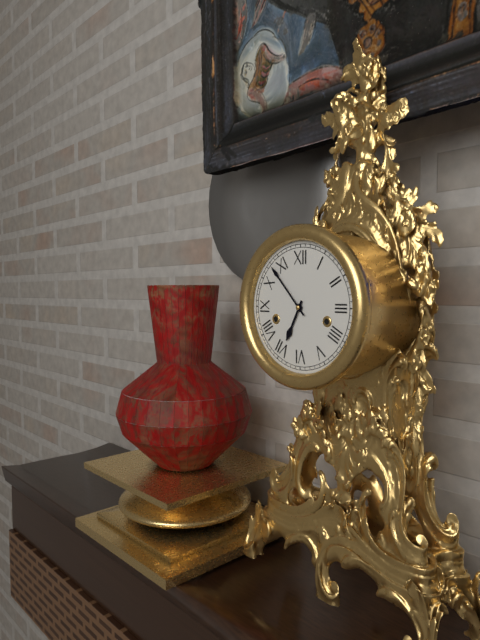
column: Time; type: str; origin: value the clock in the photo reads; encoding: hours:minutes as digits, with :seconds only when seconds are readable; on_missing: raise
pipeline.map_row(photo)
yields 6:53
